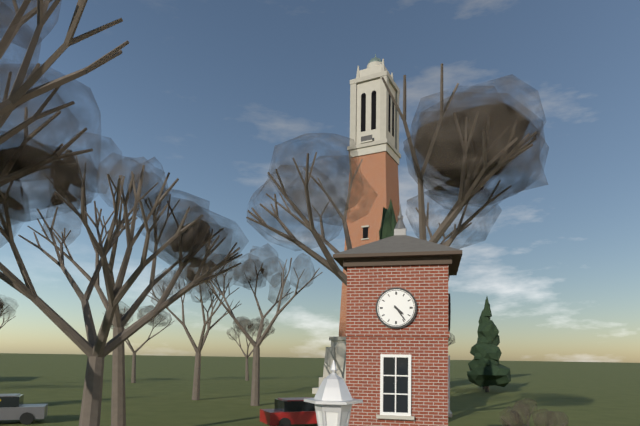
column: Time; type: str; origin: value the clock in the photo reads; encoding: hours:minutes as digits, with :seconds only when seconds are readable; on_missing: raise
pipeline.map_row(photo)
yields 4:24
